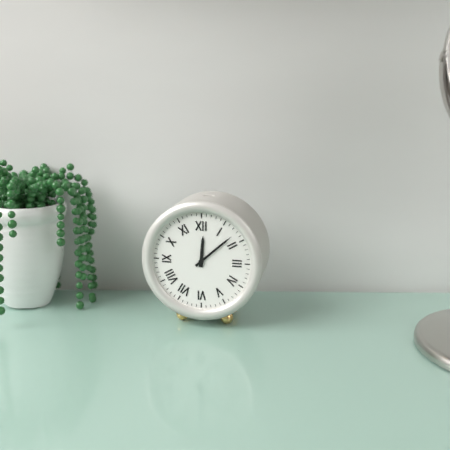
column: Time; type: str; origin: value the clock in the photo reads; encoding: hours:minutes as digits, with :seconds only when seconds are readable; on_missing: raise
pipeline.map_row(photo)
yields 12:08
